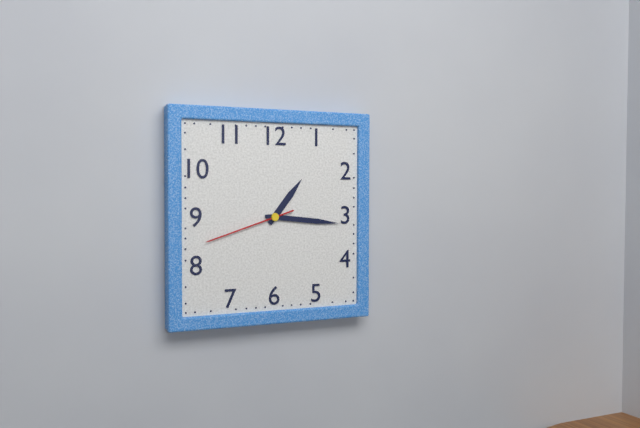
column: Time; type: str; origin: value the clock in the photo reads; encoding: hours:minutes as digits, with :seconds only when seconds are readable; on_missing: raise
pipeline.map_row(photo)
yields 1:16:42
